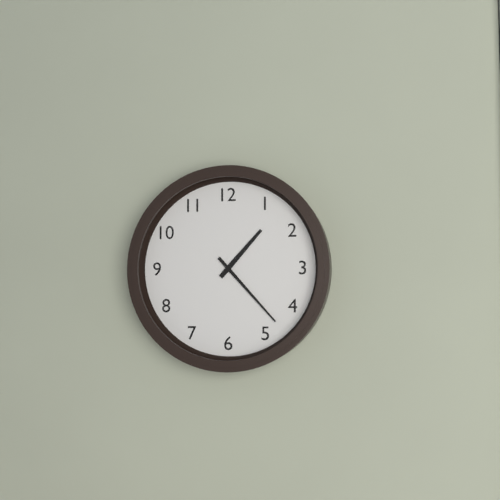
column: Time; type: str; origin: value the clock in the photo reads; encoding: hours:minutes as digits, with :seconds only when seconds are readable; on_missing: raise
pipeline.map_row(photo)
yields 1:23
